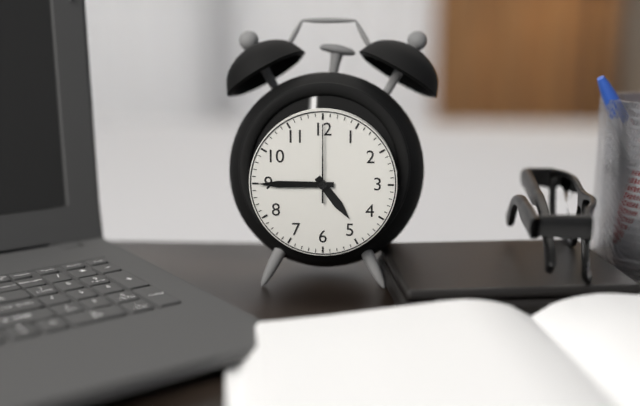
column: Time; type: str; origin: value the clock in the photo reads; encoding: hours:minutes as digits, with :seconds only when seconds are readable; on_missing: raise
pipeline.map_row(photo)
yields 4:45:00
